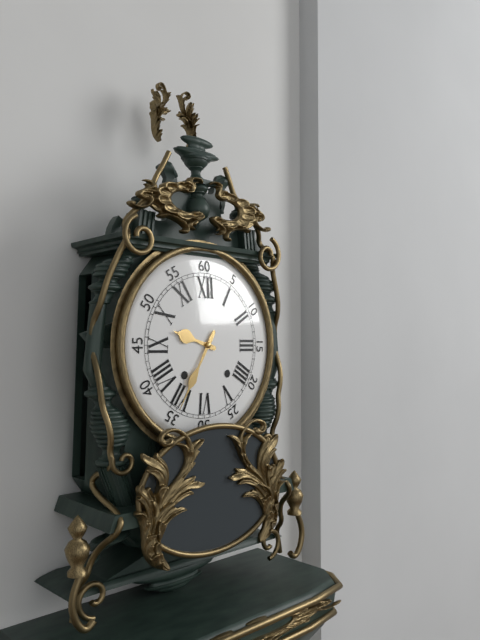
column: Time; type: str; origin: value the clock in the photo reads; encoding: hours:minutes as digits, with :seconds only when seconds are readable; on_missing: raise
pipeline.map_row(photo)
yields 9:35
